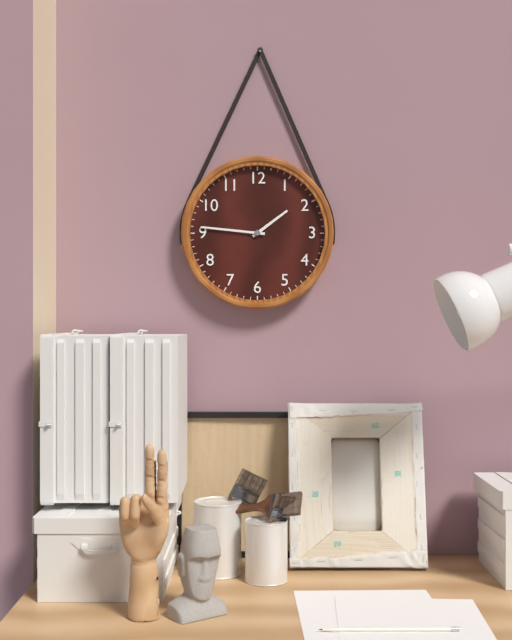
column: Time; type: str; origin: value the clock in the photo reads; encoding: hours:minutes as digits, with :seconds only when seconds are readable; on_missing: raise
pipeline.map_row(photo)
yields 1:46
